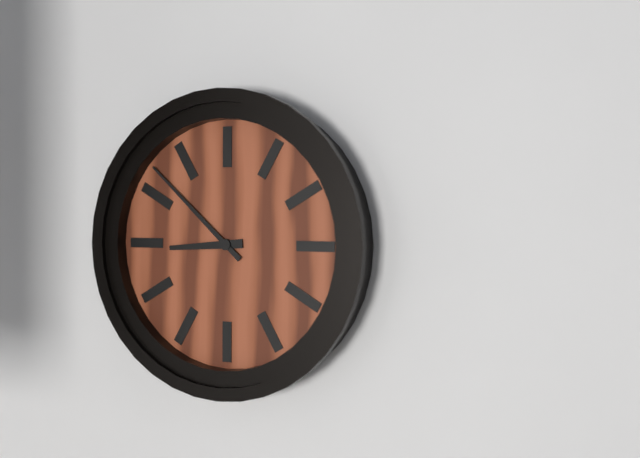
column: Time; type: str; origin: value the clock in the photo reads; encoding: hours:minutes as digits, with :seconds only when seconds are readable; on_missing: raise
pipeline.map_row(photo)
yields 8:52
